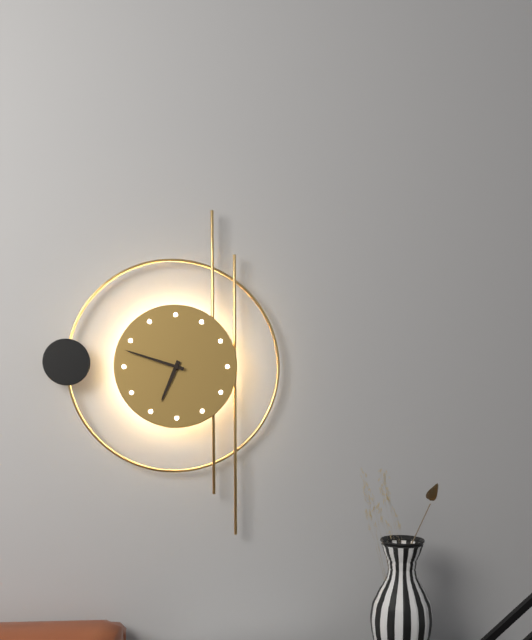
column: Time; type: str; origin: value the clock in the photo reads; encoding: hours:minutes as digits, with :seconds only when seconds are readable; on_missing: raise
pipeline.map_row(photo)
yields 6:48
